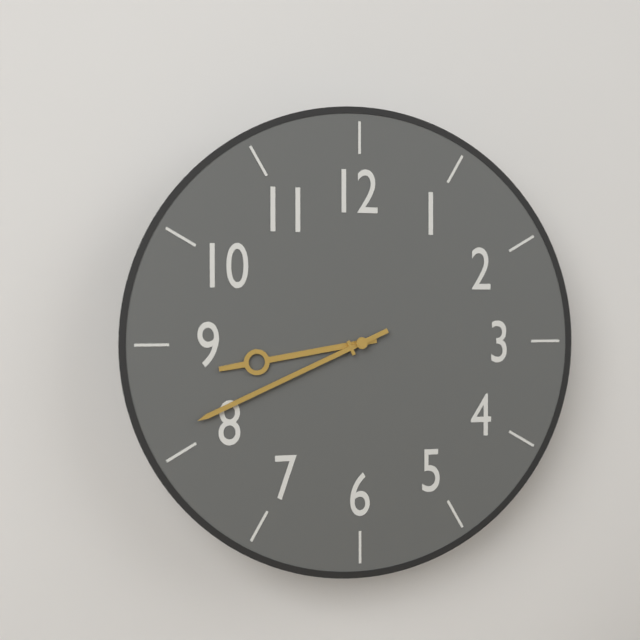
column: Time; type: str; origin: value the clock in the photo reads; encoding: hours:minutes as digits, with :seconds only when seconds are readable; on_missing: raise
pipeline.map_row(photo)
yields 8:41
